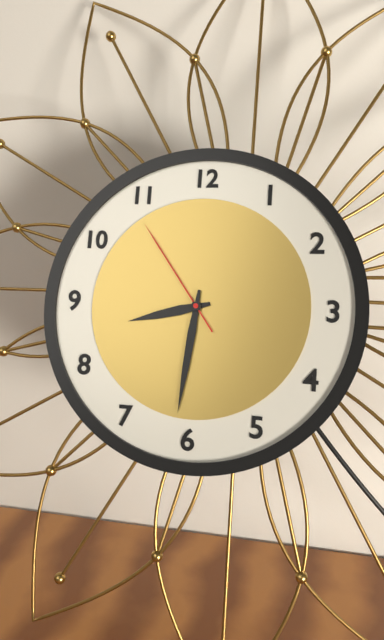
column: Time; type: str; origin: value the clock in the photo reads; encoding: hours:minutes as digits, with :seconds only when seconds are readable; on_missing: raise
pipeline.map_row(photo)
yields 8:31:54
